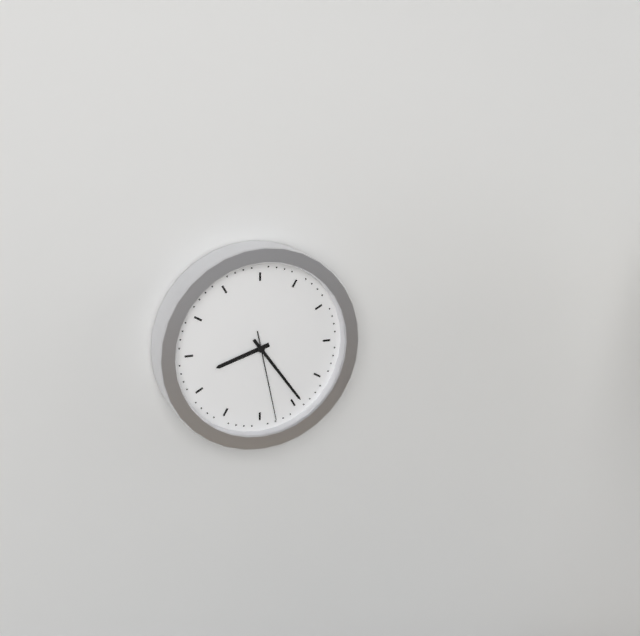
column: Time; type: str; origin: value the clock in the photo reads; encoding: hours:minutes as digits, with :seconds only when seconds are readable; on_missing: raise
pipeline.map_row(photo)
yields 8:24:28
